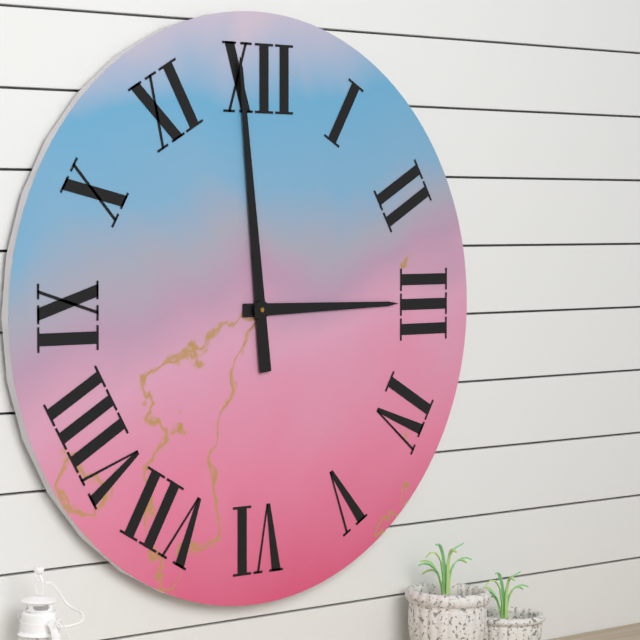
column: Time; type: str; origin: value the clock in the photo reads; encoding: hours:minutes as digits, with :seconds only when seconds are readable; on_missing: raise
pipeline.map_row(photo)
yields 2:59
